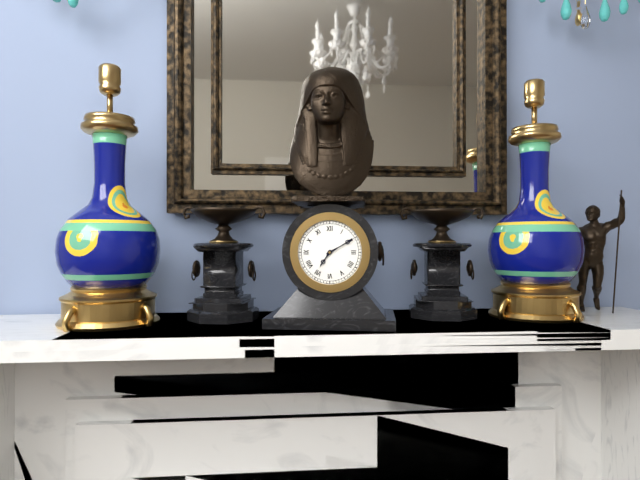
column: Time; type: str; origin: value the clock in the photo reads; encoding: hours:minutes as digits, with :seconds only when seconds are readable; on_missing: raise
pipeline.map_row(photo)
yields 7:10
